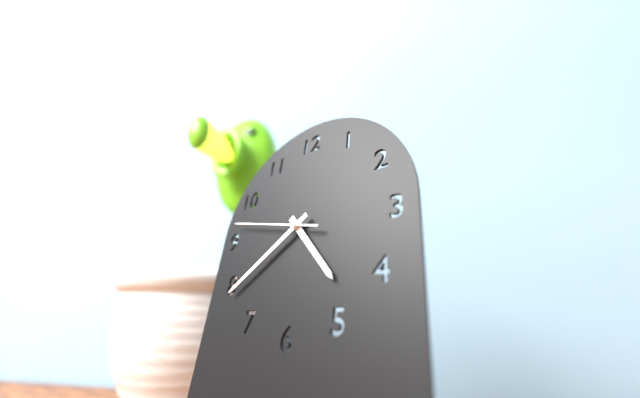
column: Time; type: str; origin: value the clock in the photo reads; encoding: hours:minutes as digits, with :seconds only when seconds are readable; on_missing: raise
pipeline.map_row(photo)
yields 4:39:47
